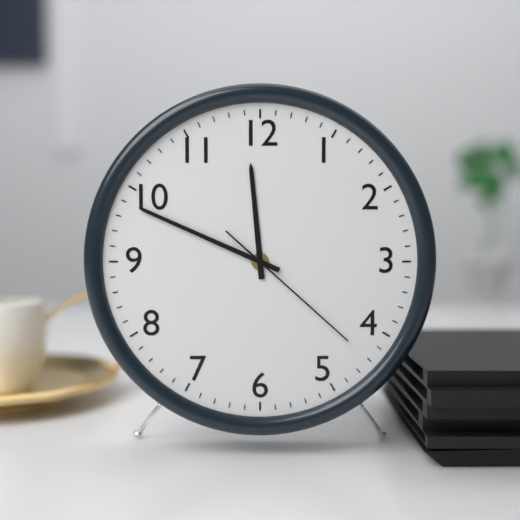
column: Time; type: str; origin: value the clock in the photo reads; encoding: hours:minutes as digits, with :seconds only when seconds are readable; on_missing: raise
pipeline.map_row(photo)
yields 11:49:22
